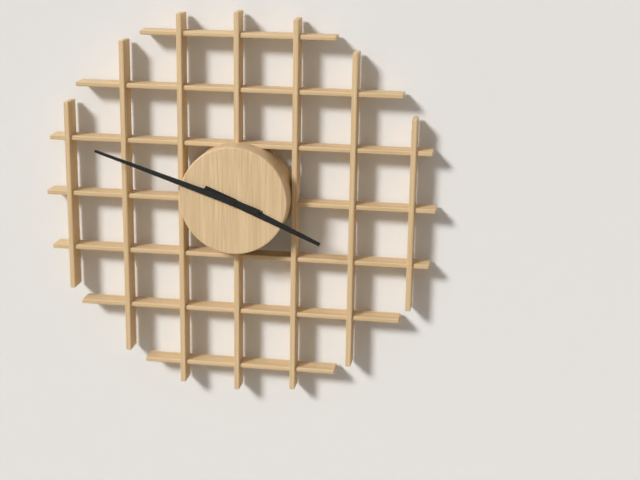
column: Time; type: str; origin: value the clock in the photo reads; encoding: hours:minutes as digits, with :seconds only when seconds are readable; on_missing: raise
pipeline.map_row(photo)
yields 3:48
